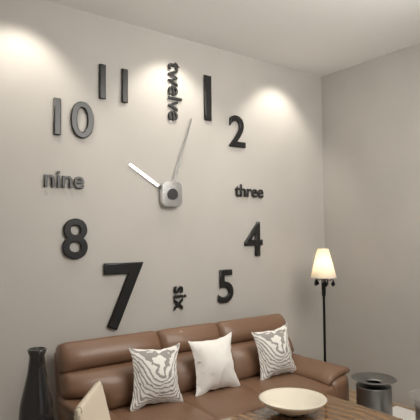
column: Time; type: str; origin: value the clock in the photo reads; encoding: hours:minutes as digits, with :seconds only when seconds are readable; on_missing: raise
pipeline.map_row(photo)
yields 10:03
